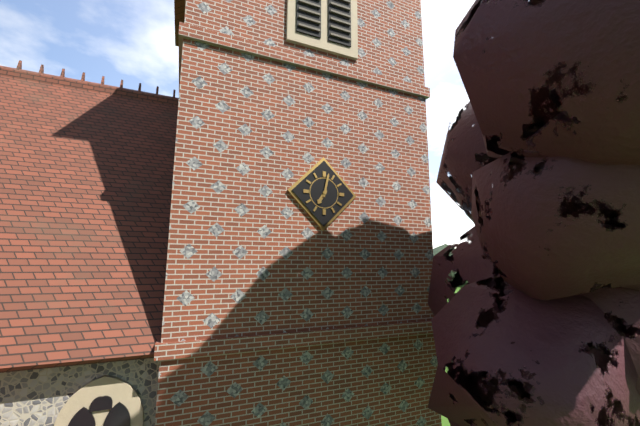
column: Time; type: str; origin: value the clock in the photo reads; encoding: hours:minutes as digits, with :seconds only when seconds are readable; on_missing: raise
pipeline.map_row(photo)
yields 7:02
